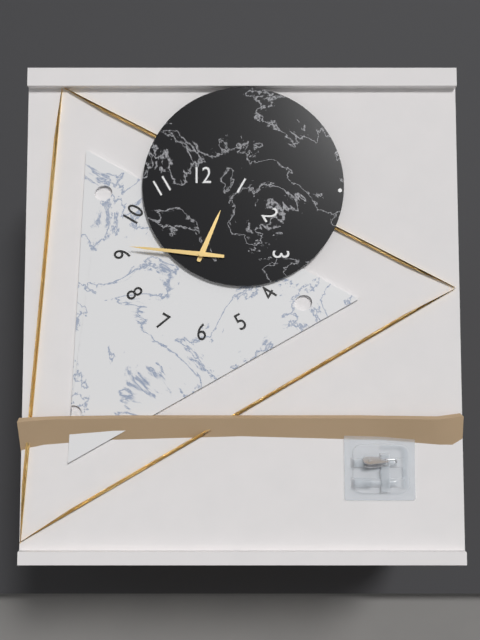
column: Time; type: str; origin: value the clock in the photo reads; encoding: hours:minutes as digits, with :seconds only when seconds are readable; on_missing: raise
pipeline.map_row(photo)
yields 12:46
